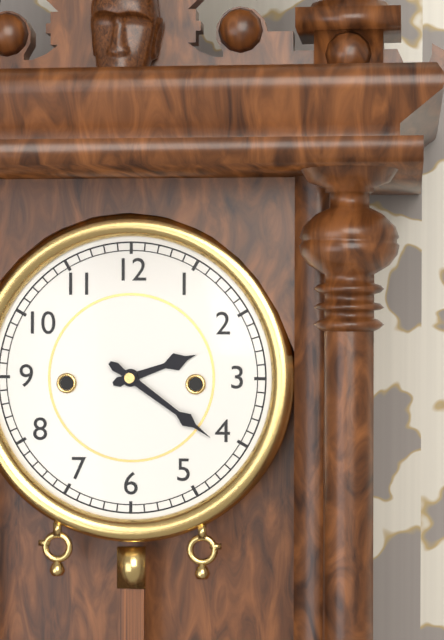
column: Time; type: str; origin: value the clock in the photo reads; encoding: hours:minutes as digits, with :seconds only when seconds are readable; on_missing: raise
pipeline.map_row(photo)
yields 2:21
